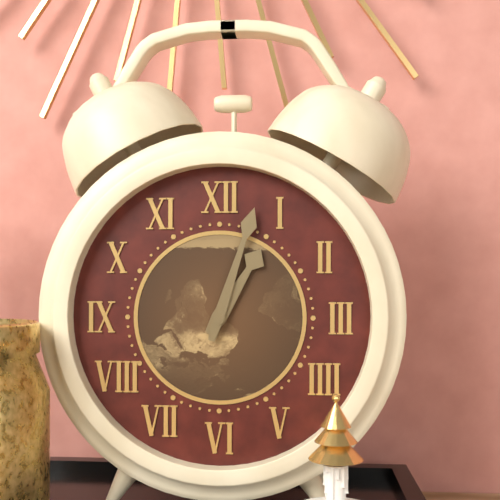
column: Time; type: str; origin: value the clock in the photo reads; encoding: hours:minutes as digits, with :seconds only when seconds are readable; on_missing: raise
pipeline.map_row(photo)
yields 1:03
